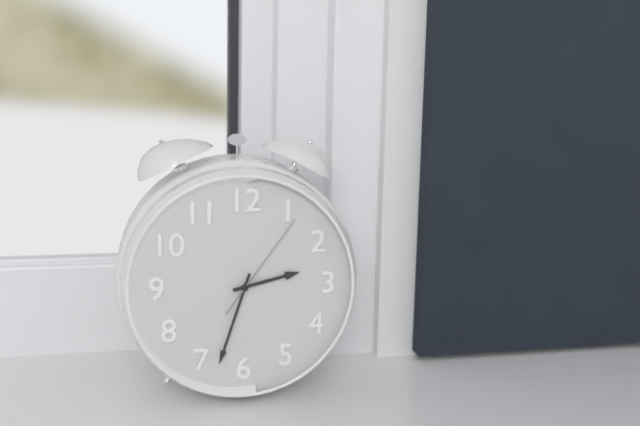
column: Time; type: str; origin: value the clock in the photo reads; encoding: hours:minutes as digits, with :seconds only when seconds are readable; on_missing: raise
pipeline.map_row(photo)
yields 2:33:06
